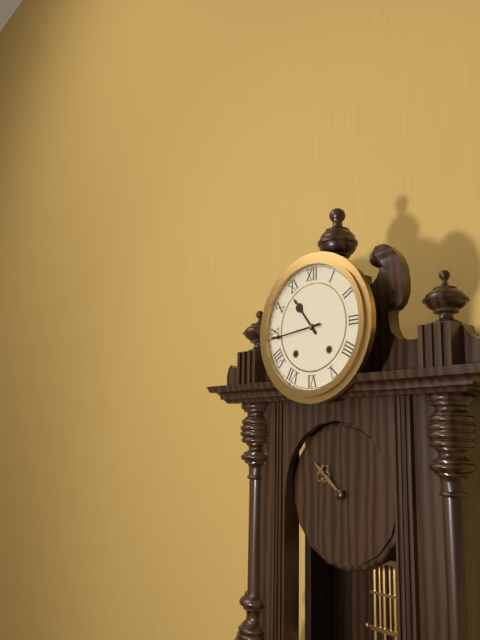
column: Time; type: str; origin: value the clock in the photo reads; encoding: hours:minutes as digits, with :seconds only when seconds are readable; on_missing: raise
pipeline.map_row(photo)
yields 10:44
